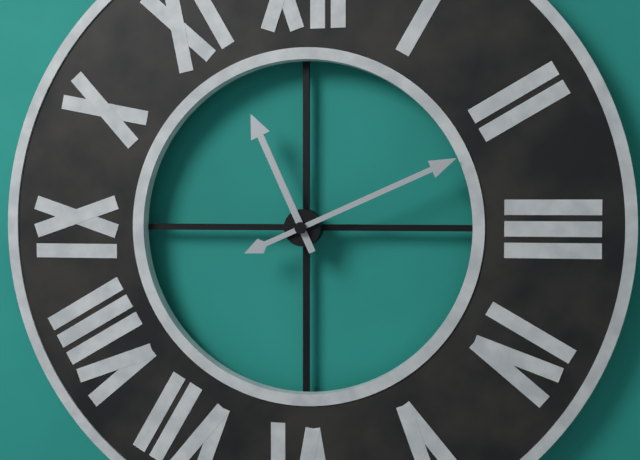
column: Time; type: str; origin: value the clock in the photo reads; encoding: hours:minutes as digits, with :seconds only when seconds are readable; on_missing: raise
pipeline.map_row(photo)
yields 11:11
